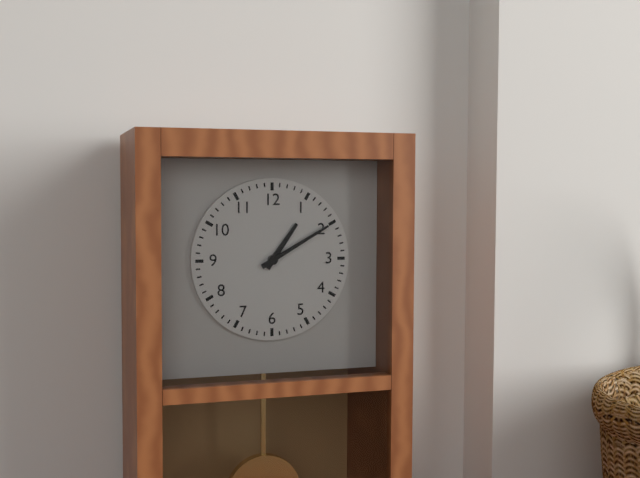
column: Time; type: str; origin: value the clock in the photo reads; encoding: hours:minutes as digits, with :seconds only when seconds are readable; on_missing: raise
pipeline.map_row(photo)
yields 1:10
